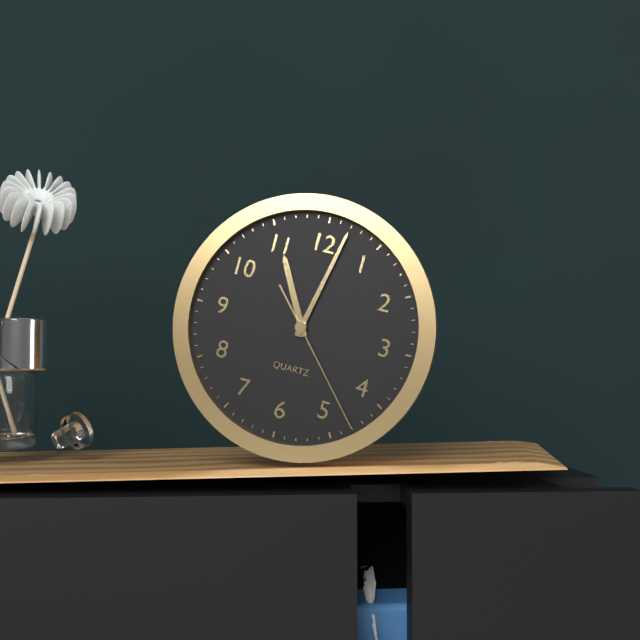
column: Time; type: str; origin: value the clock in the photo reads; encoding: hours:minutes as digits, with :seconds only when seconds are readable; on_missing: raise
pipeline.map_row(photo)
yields 11:02:23
